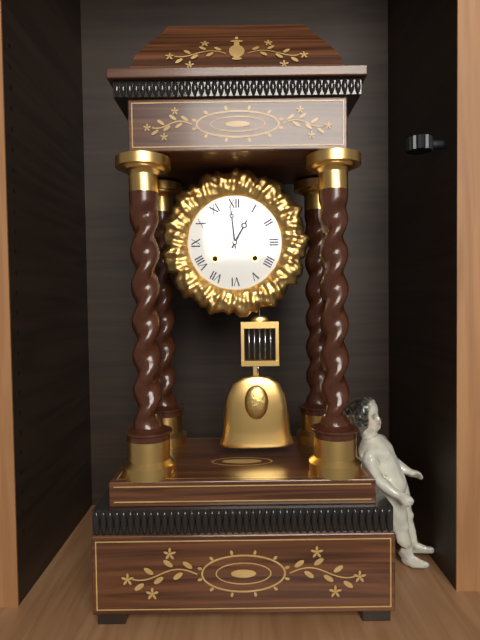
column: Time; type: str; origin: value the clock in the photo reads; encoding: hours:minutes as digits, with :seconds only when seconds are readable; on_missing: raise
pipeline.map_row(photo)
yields 12:59
